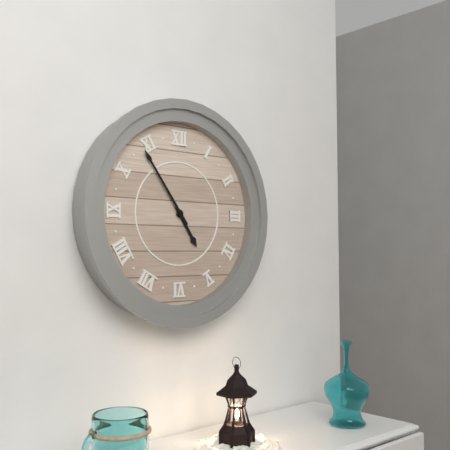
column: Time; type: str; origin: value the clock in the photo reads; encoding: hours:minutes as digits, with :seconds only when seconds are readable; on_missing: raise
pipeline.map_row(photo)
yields 4:54
